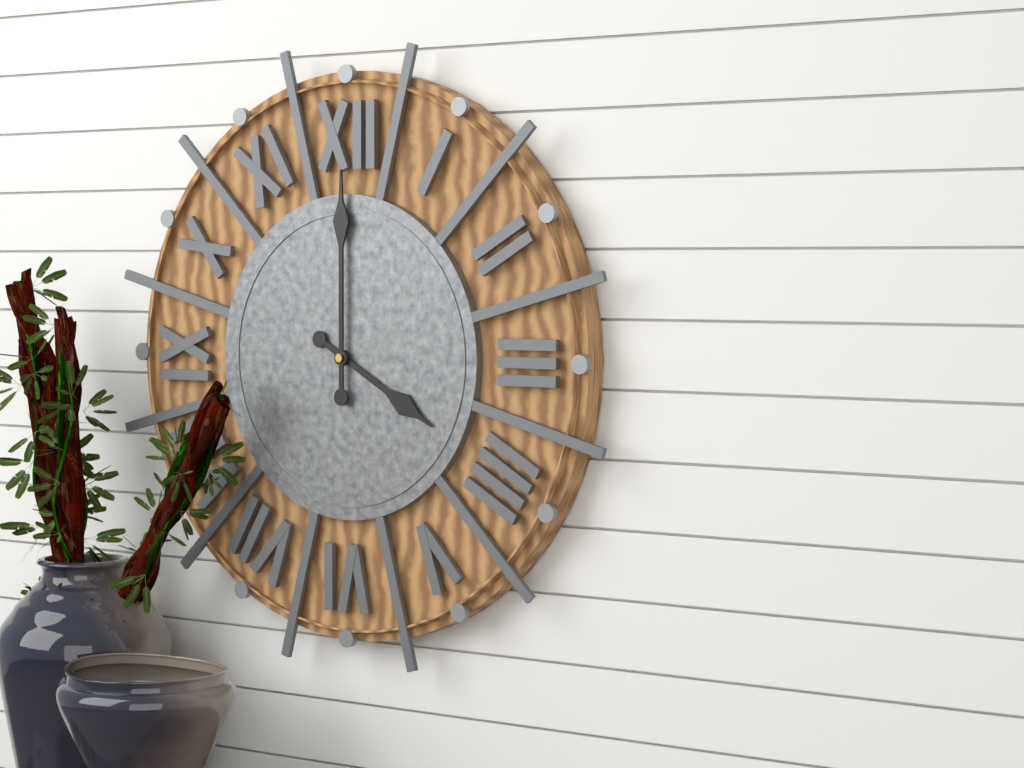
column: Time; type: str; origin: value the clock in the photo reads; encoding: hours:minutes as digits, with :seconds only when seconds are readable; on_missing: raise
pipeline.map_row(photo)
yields 4:00
